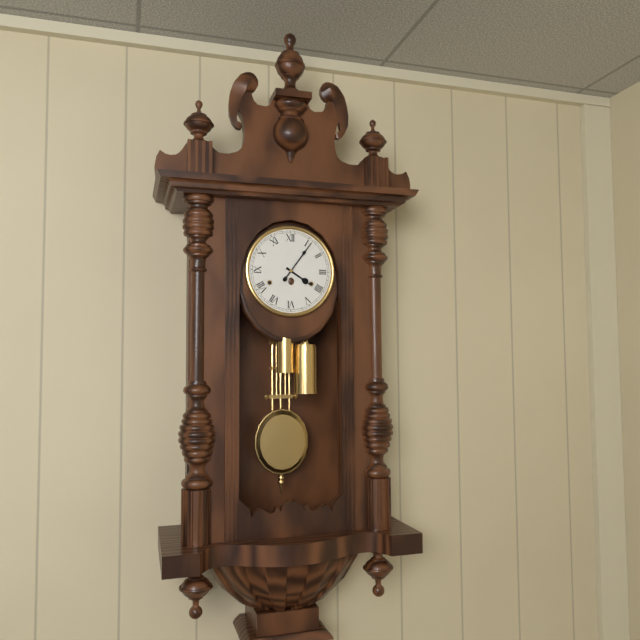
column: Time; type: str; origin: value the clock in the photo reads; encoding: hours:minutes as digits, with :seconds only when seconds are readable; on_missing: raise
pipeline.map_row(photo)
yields 4:06
